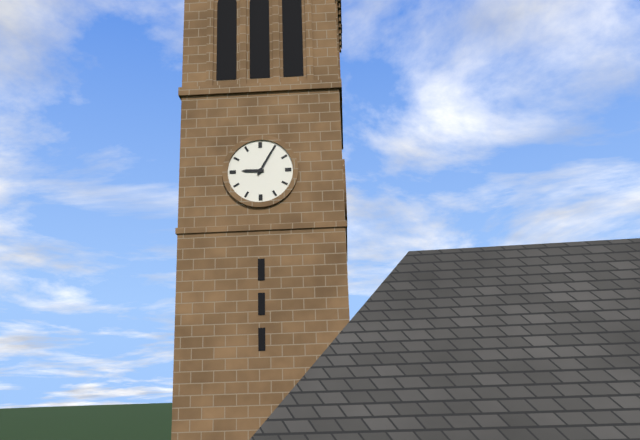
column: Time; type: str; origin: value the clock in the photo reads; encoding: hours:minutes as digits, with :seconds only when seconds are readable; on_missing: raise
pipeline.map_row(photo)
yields 9:05
